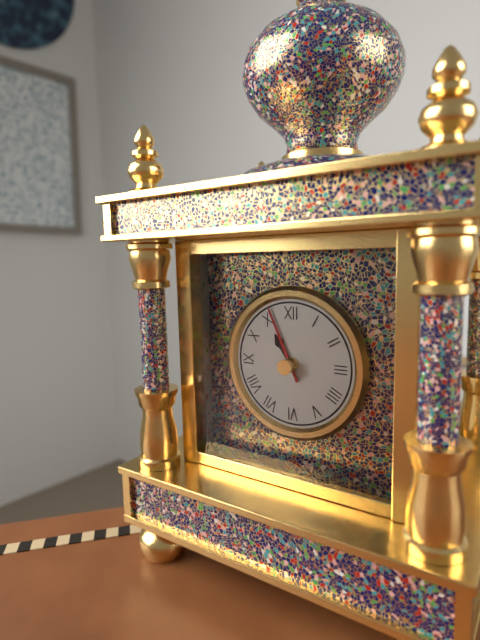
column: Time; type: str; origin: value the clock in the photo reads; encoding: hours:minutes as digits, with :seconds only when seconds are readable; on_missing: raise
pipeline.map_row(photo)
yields 10:56
